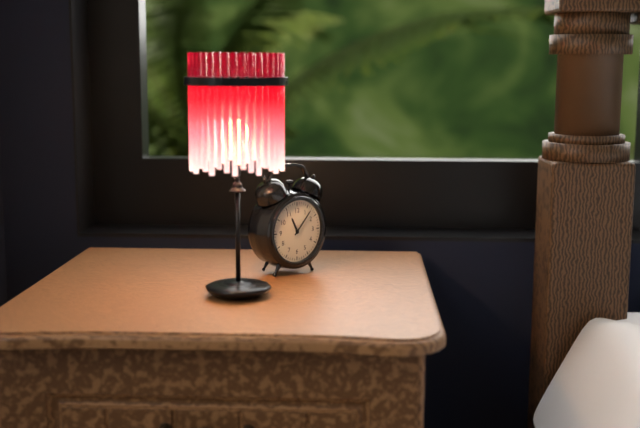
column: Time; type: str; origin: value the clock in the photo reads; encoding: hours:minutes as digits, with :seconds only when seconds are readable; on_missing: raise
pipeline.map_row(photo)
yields 11:07
